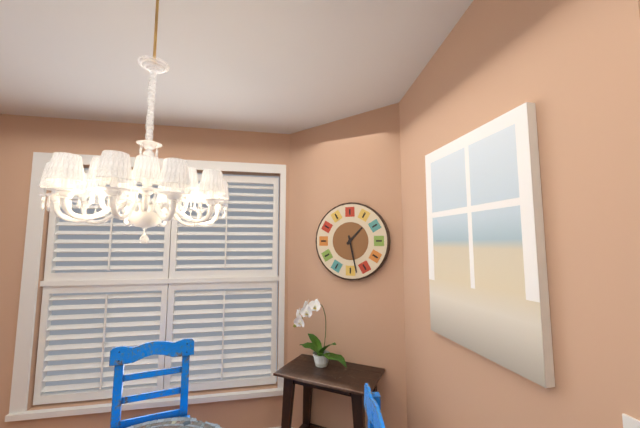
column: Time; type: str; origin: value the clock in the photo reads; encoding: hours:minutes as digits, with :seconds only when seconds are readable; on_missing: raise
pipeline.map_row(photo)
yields 1:28
